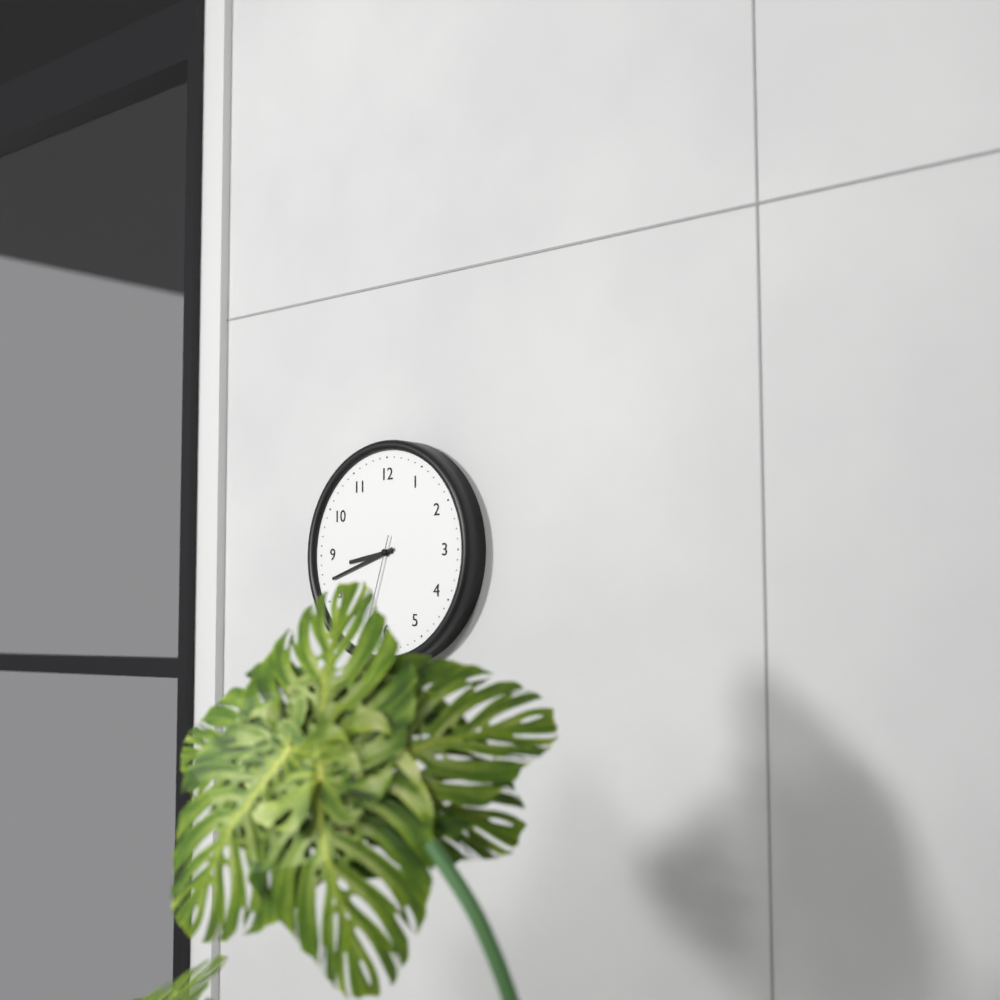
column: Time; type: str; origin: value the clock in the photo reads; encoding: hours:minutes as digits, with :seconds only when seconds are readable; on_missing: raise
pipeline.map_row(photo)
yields 8:42:33
